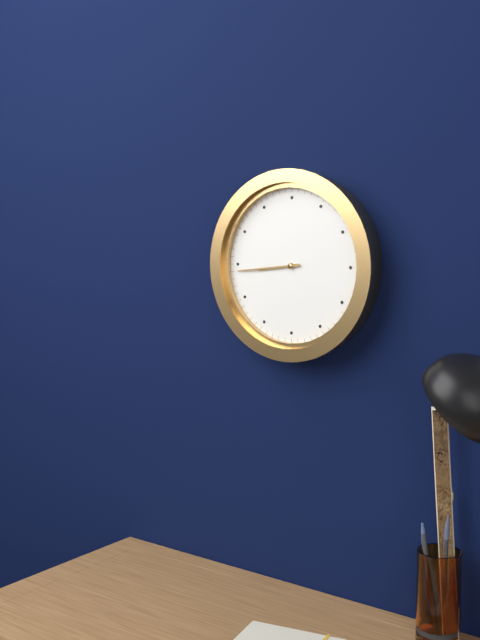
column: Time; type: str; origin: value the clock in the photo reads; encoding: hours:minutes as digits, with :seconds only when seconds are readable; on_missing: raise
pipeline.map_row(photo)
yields 8:44
